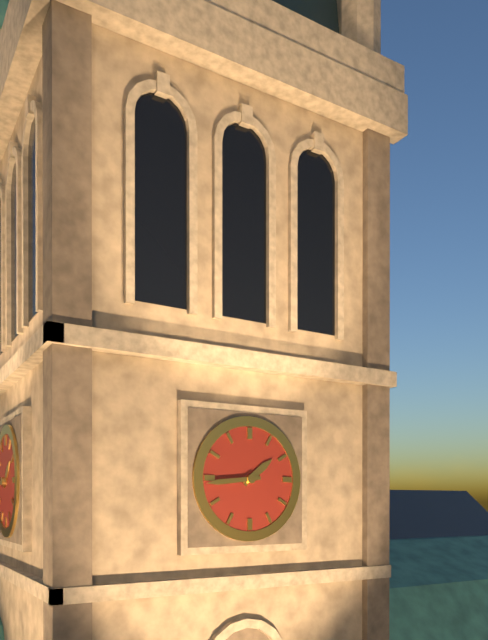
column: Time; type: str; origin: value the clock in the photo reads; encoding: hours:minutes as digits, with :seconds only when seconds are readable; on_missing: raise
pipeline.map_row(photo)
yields 1:44
